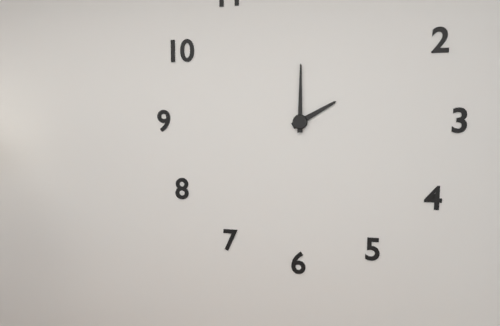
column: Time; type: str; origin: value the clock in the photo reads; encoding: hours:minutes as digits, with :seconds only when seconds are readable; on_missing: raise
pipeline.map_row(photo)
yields 2:00
